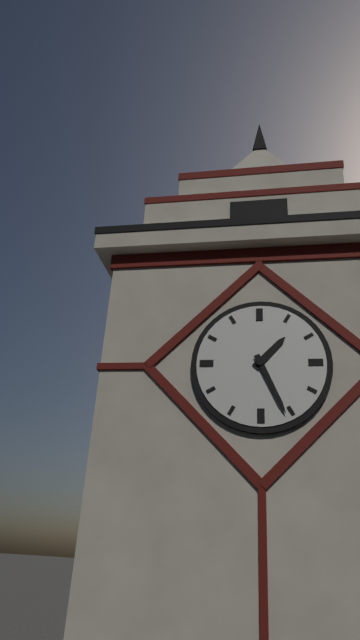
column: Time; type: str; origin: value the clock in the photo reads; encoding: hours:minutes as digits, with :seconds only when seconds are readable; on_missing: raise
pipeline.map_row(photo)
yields 1:26
